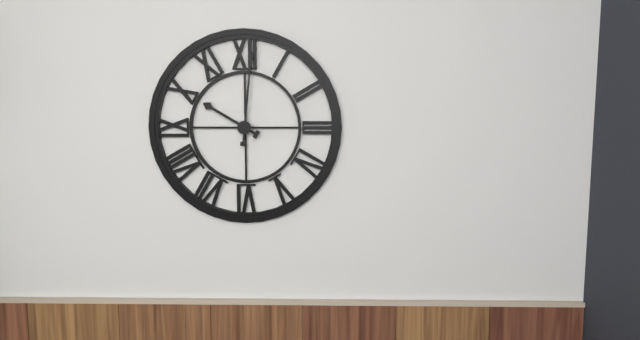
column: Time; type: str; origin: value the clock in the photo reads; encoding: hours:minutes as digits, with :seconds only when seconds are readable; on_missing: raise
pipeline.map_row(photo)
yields 10:01
